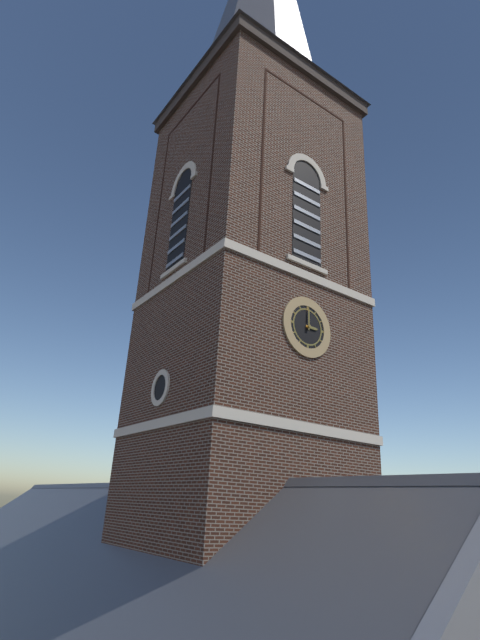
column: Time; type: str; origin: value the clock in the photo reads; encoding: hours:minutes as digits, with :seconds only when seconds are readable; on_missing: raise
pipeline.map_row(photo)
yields 3:00
